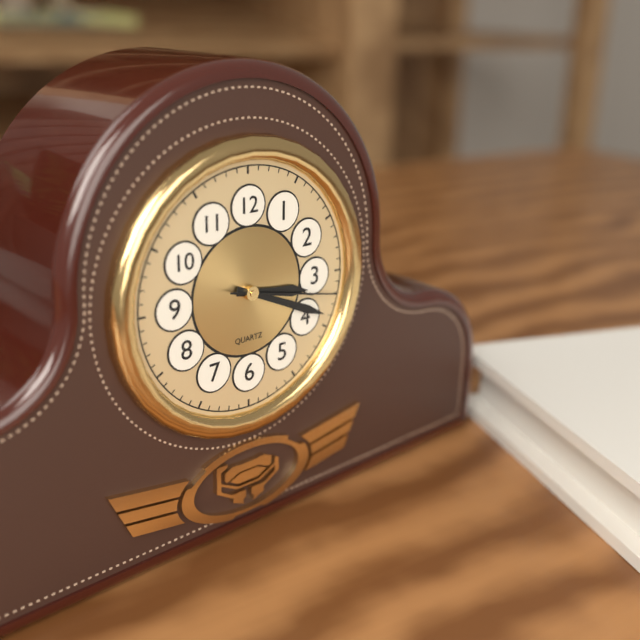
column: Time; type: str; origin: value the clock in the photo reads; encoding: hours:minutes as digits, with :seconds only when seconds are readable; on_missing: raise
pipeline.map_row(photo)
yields 3:19:17
